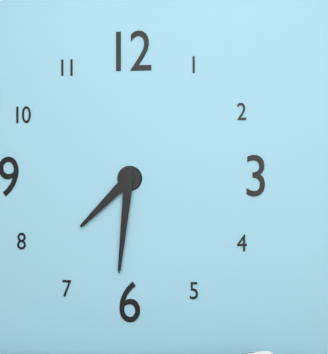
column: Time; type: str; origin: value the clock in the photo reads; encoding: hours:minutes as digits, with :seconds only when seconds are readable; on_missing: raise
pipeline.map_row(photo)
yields 7:31
